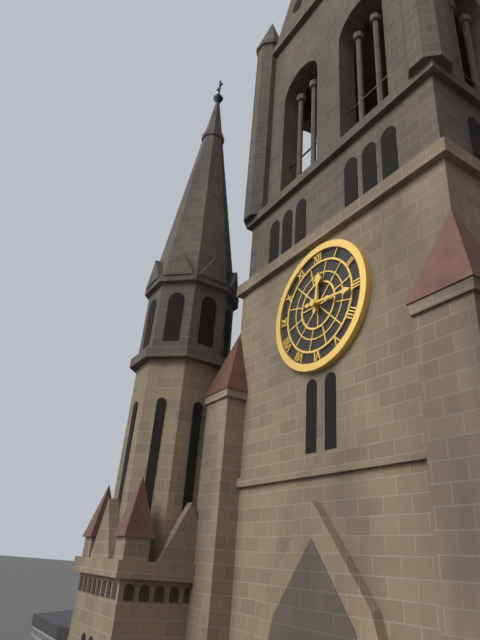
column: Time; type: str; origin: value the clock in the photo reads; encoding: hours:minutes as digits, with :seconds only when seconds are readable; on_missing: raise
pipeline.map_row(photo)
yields 12:16
